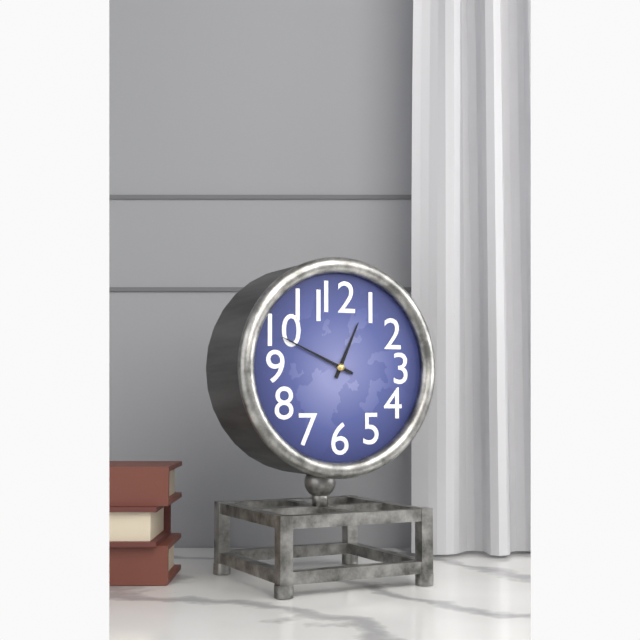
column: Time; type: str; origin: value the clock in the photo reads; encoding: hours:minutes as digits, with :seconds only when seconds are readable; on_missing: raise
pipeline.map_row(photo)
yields 12:49
